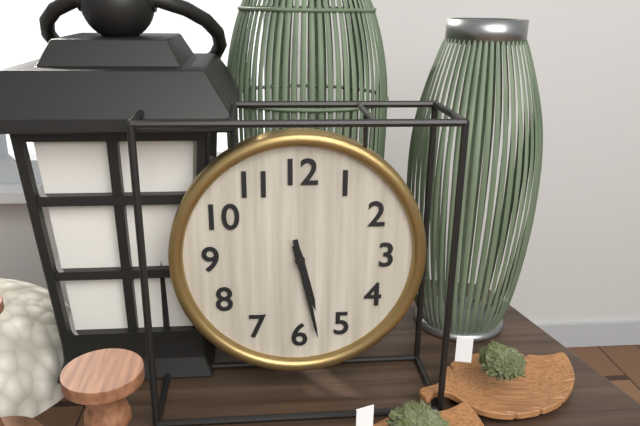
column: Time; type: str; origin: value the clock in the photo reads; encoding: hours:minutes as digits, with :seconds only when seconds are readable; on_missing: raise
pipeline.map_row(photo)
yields 5:28
